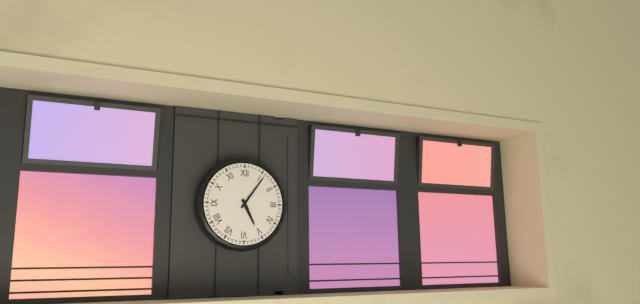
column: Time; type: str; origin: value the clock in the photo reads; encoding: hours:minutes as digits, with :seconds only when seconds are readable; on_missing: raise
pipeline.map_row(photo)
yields 5:06
